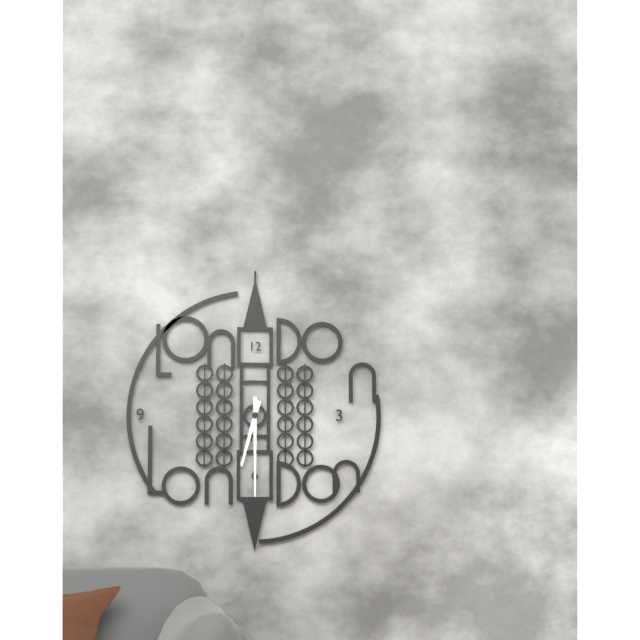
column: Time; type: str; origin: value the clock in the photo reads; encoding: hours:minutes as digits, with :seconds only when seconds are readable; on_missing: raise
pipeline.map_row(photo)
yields 6:30
